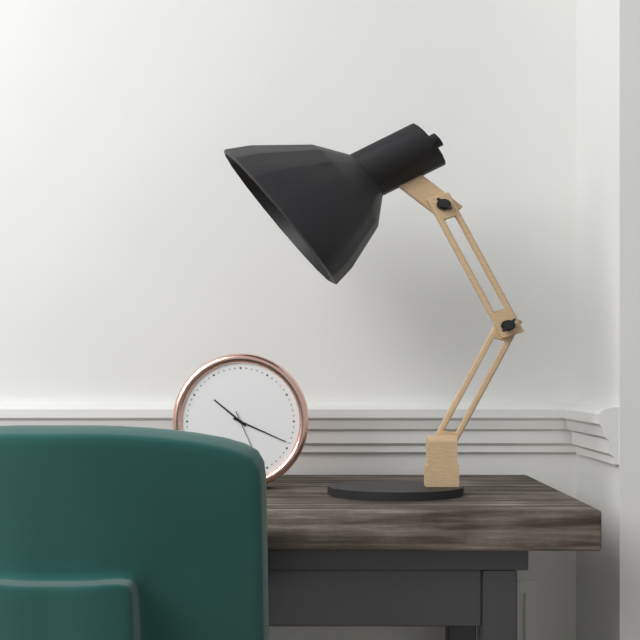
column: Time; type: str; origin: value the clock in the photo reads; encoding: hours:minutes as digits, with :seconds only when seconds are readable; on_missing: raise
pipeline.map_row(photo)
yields 10:19
